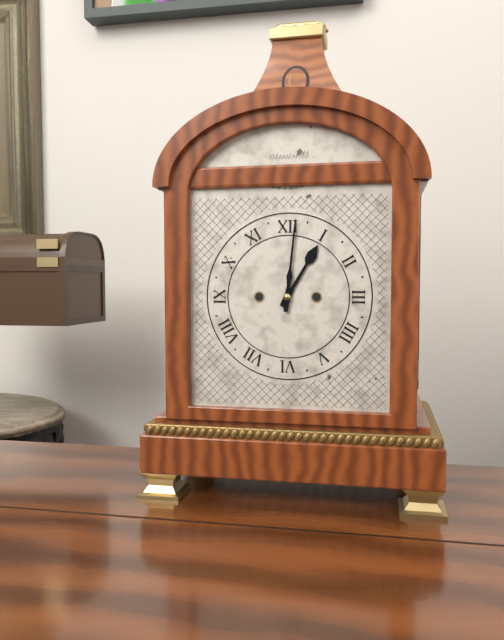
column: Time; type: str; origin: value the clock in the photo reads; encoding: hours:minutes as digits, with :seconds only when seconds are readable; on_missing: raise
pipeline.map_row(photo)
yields 1:01
